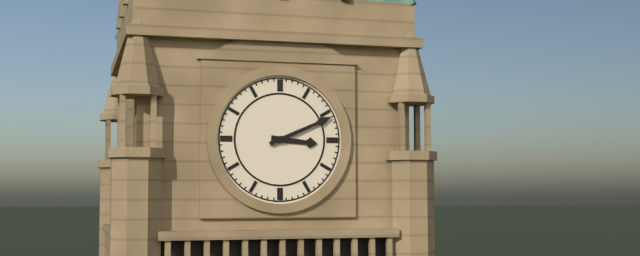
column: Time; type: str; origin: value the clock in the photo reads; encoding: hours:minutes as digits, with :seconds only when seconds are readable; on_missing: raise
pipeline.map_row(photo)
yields 3:11
